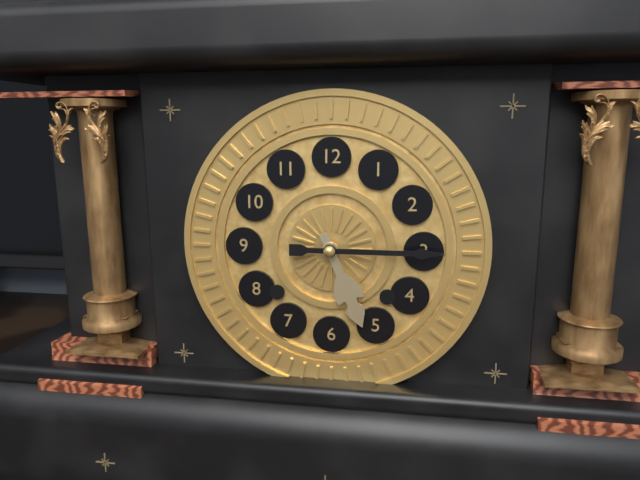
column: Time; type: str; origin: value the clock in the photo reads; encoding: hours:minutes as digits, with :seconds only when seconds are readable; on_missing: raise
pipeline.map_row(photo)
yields 5:15
